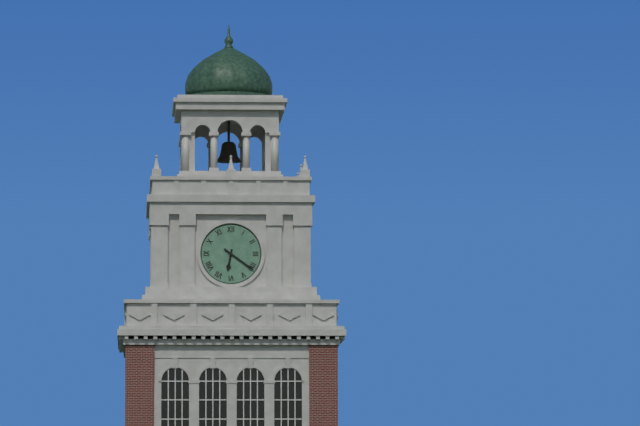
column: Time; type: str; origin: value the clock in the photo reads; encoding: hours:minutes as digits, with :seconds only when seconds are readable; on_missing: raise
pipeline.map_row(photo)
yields 6:21
